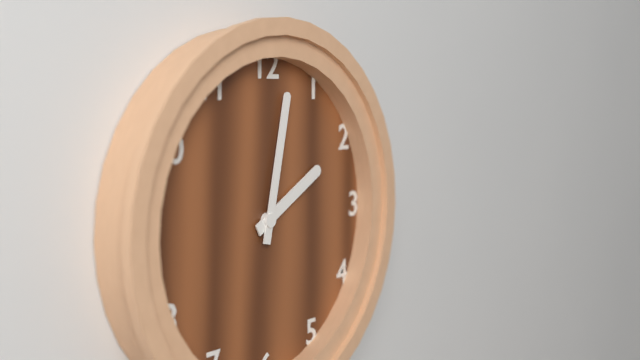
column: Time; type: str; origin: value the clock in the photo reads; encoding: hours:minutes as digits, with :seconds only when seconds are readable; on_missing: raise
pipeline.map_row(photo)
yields 2:02
